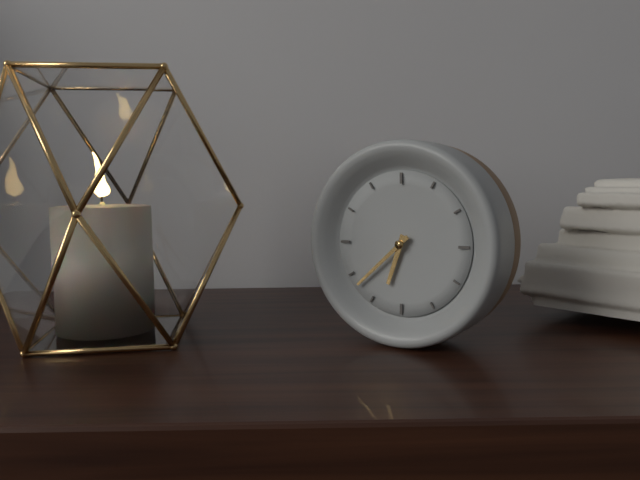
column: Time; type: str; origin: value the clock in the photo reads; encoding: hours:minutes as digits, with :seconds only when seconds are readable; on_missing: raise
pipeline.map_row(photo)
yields 6:38
